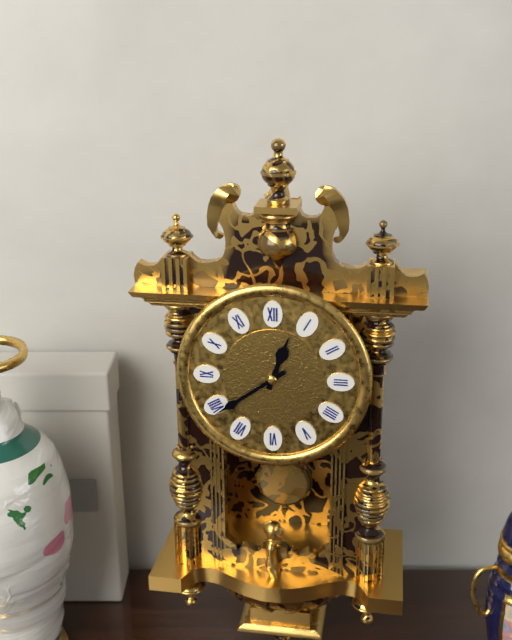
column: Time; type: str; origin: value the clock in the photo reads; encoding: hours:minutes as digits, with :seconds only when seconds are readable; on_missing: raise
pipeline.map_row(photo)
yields 12:39
